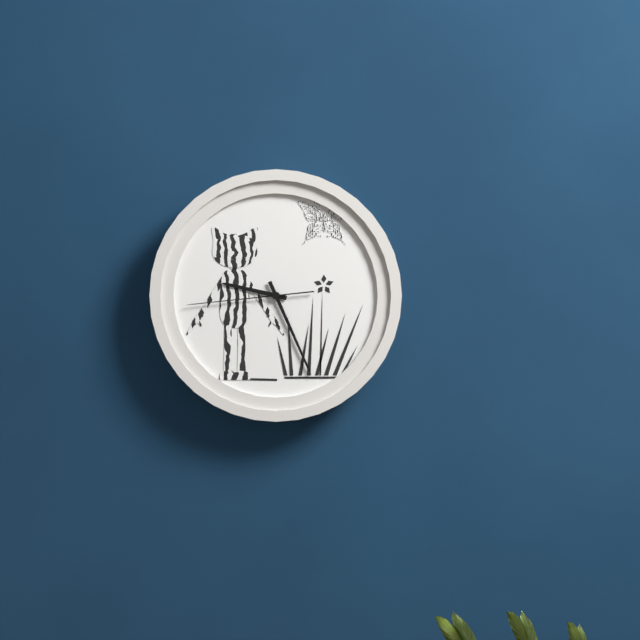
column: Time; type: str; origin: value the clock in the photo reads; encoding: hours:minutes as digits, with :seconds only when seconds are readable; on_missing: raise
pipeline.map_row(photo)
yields 9:26:44
